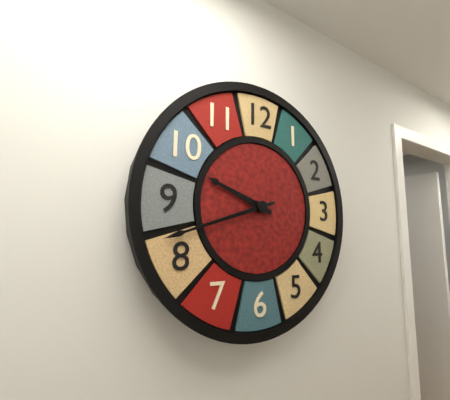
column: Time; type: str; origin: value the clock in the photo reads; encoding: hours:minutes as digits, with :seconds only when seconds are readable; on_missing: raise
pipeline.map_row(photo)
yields 9:42
